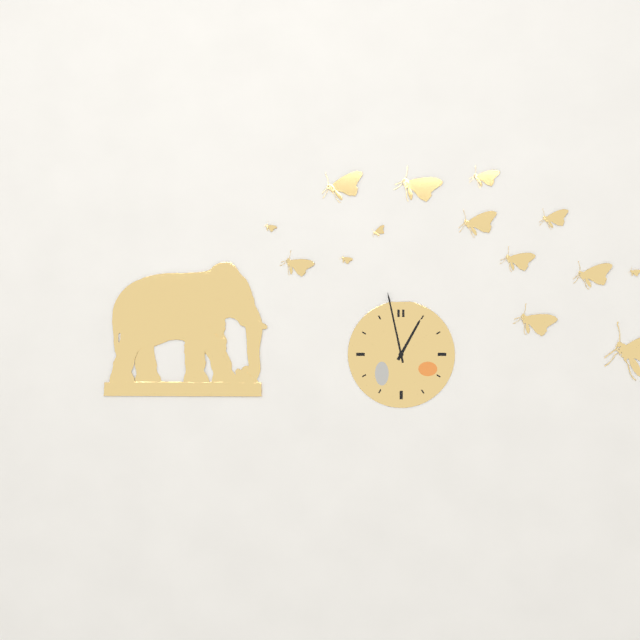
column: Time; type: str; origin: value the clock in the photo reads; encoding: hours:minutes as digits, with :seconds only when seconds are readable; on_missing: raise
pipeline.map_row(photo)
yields 12:58
